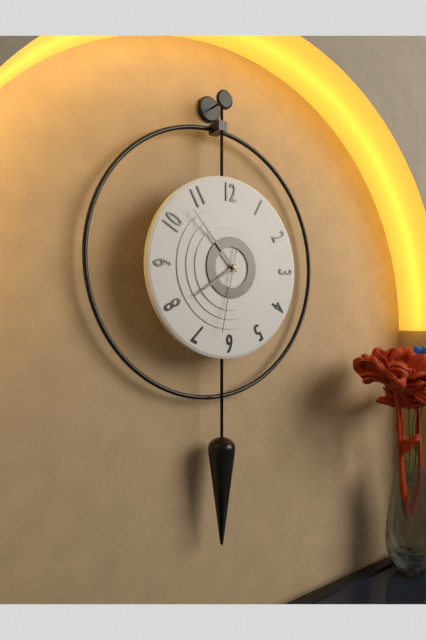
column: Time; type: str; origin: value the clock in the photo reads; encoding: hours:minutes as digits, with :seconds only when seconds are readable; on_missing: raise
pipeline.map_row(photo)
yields 7:53:32
